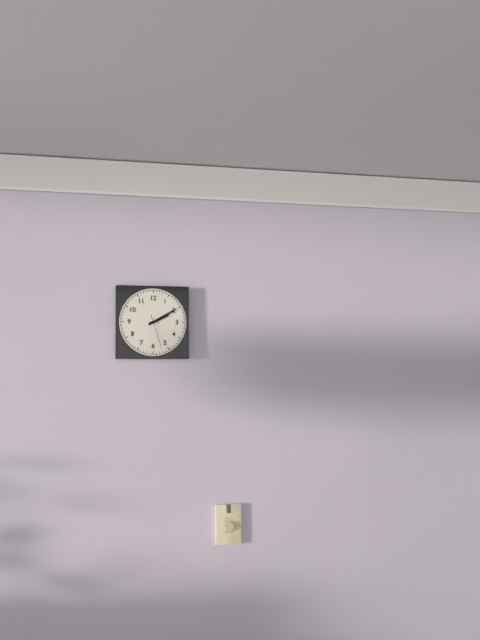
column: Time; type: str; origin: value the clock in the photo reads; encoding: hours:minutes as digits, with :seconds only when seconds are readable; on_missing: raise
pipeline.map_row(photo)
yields 2:10
